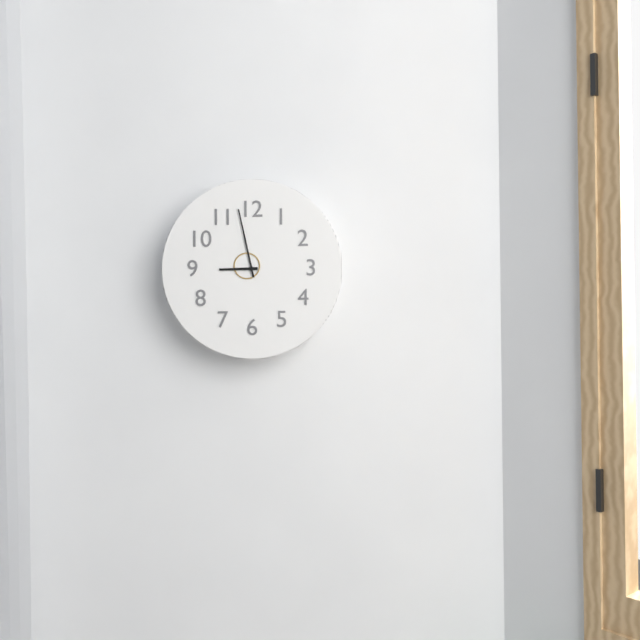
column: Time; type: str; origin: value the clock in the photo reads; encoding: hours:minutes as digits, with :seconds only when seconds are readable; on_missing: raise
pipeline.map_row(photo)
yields 8:58
